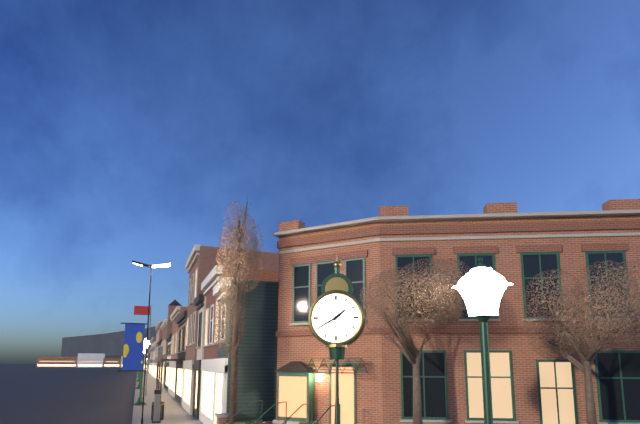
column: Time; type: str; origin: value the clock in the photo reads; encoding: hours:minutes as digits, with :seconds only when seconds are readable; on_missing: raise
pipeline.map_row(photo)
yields 1:40
